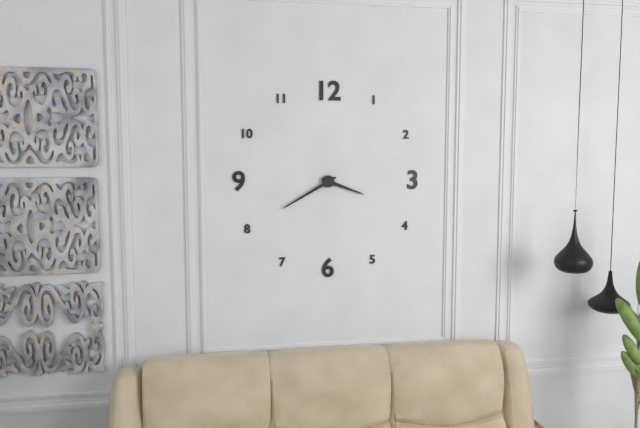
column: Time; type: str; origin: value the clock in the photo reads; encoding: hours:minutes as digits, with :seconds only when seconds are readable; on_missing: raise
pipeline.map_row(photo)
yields 3:40
